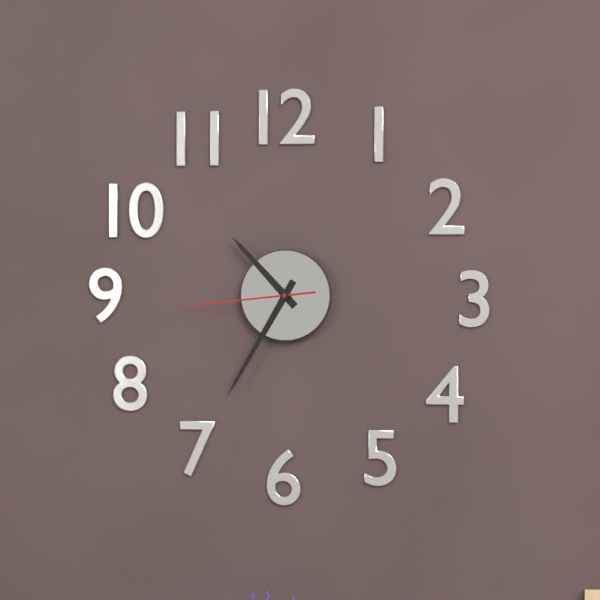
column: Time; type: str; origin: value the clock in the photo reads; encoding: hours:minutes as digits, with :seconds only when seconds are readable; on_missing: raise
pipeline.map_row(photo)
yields 10:35:44
